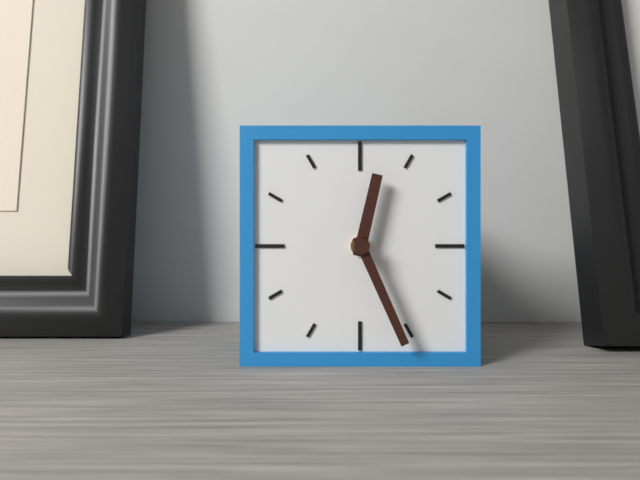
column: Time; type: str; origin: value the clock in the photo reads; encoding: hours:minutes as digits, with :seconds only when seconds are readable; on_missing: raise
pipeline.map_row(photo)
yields 12:26
